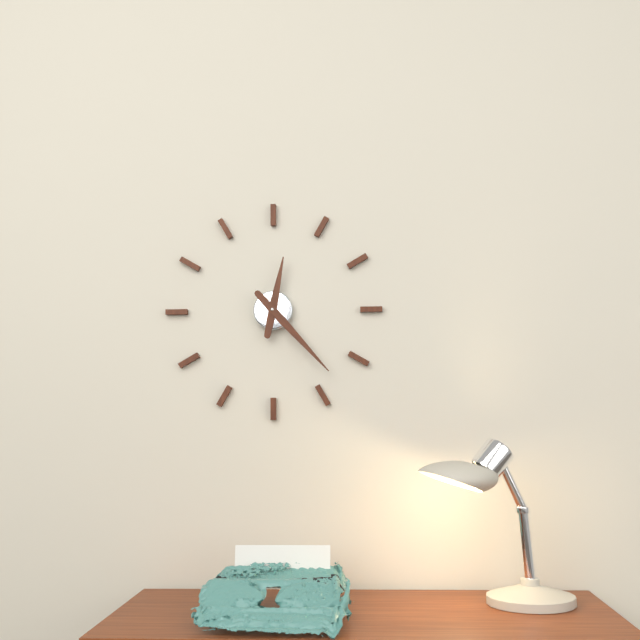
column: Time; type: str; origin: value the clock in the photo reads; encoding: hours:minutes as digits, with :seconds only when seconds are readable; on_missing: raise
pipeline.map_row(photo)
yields 12:23
